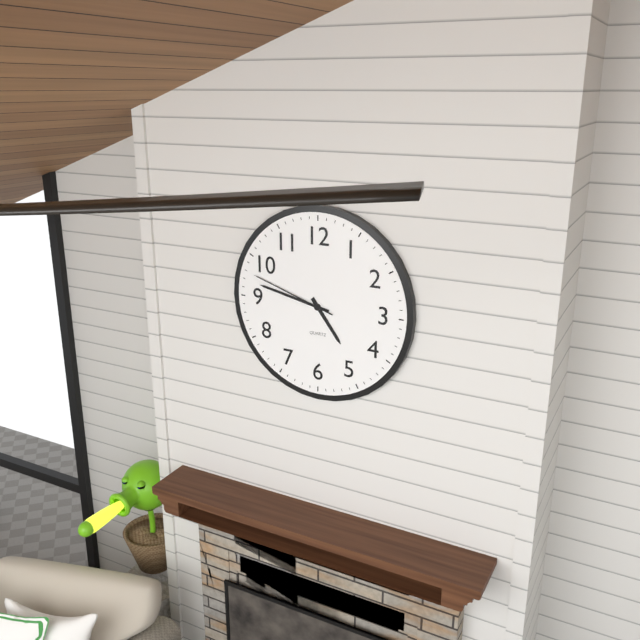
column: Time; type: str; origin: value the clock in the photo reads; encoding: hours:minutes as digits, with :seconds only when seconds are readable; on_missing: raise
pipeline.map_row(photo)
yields 4:47:48
